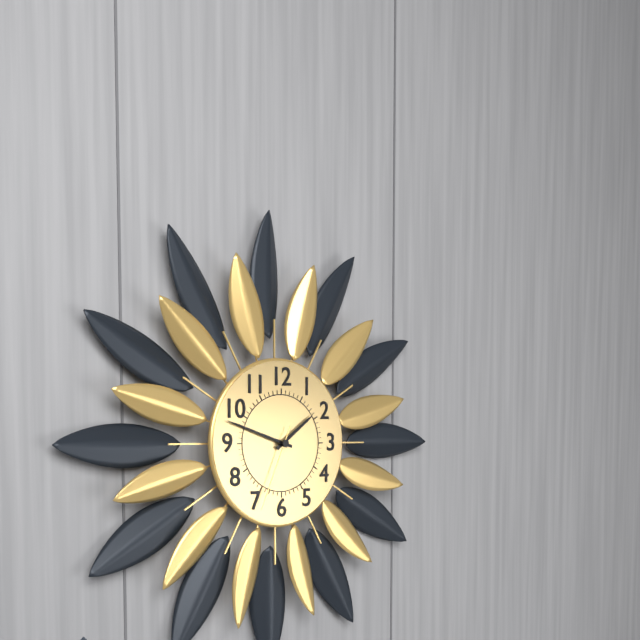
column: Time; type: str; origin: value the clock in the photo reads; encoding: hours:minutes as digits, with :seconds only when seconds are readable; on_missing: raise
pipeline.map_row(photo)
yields 1:48:34
